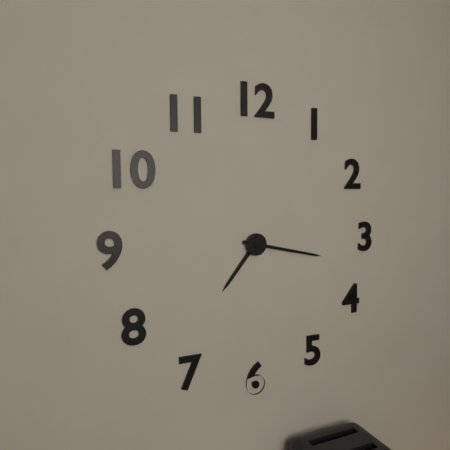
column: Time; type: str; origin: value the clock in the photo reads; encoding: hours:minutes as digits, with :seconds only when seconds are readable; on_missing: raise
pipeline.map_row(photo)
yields 7:17
